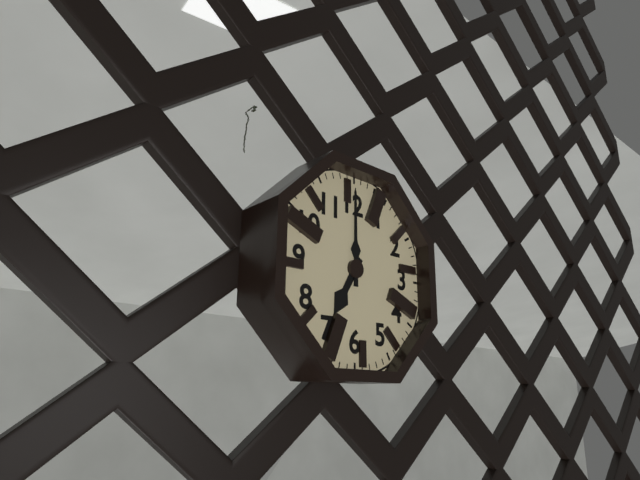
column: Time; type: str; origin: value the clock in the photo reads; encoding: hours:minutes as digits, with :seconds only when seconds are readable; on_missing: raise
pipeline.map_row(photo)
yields 7:00
